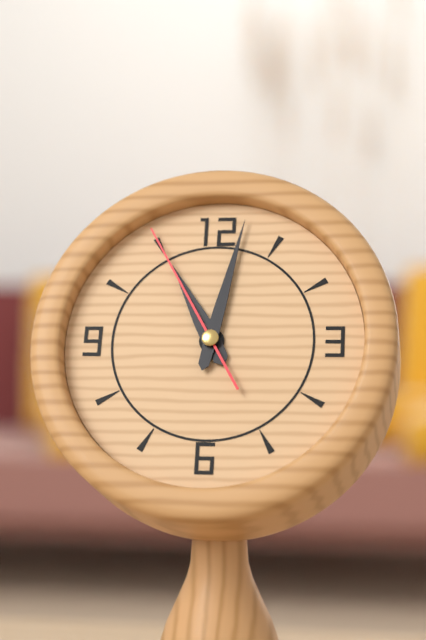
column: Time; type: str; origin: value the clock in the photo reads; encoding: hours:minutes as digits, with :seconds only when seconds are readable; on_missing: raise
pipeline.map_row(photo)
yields 11:02:55
